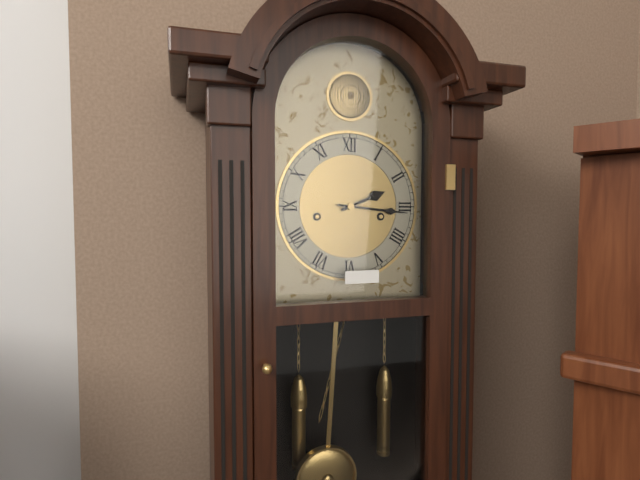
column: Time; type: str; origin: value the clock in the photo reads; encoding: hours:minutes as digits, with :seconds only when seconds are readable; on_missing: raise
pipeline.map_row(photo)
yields 2:16
